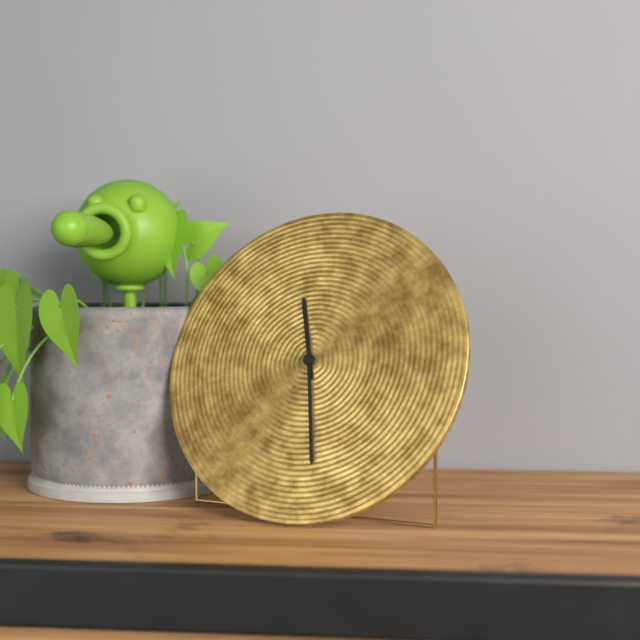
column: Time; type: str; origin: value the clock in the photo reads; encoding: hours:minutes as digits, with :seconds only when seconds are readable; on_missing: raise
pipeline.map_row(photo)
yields 11:28
